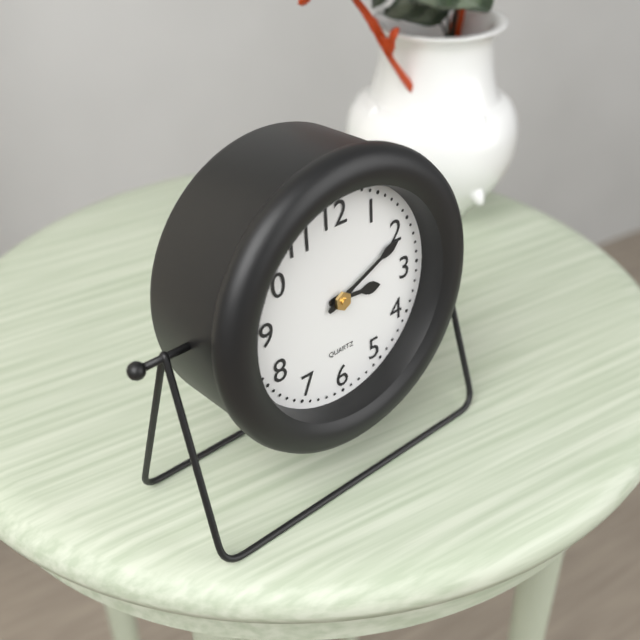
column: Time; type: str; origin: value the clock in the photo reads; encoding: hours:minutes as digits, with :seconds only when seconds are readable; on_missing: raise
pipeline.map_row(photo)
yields 3:11
